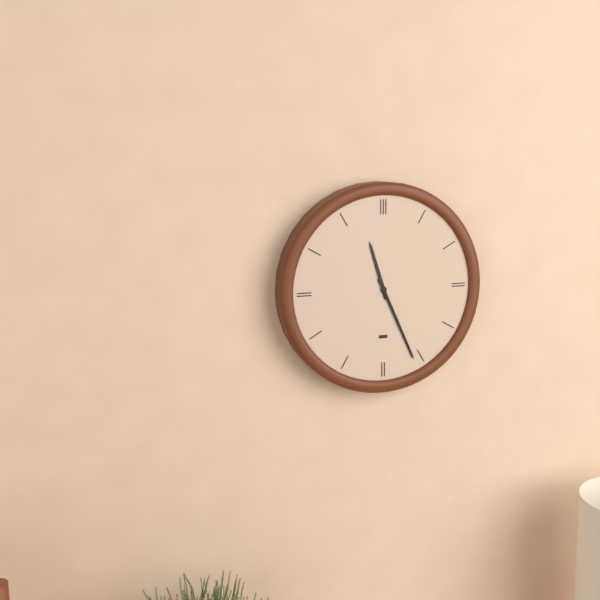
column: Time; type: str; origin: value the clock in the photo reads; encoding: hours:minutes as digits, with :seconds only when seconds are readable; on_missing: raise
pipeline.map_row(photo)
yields 11:26
